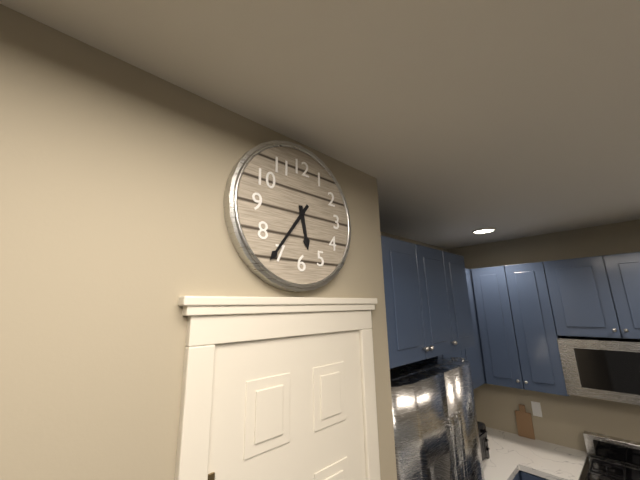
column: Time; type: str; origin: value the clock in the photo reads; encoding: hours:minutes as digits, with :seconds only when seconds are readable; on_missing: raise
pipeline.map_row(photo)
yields 5:36
